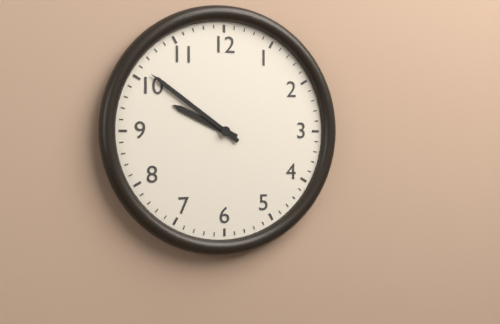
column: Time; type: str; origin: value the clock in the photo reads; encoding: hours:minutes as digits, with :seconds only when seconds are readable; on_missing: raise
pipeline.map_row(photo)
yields 9:51
